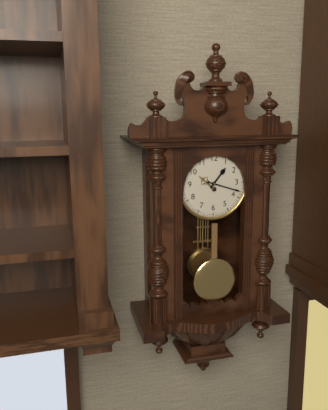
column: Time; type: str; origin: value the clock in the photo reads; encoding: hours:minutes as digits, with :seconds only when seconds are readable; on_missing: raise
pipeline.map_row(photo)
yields 1:18
